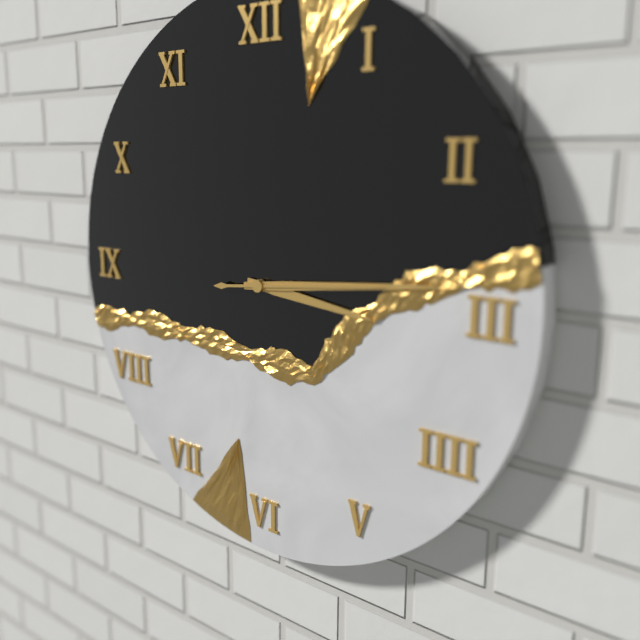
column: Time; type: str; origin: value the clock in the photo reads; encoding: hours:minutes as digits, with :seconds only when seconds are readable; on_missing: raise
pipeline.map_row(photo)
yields 3:14:14
